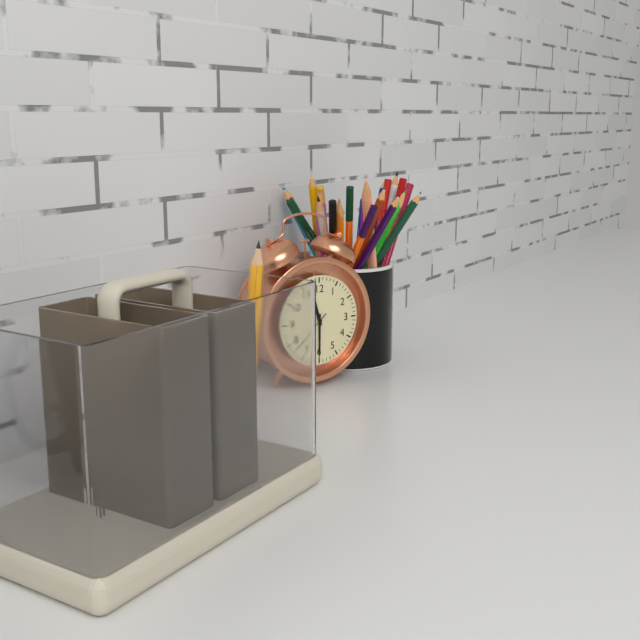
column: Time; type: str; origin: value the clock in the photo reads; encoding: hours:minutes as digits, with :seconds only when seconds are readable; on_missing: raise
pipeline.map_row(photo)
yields 11:30:38
